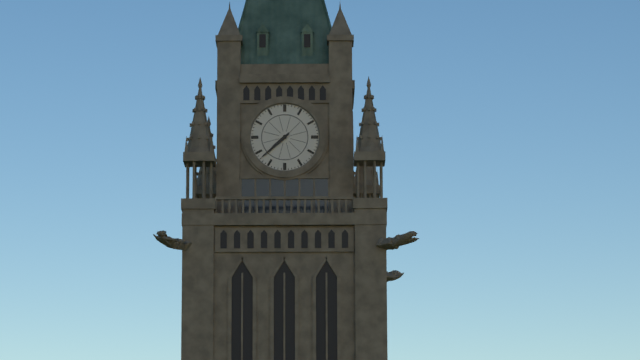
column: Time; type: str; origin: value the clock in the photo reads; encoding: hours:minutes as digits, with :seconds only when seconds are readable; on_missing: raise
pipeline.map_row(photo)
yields 7:38
